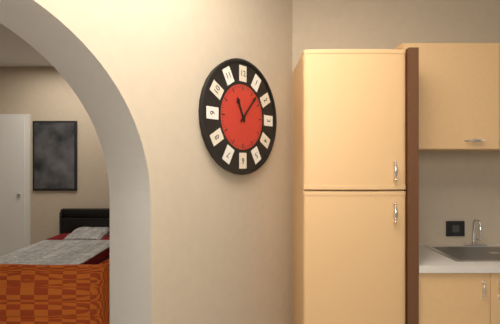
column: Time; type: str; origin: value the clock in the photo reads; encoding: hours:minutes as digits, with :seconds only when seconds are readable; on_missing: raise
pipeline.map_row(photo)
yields 11:07
